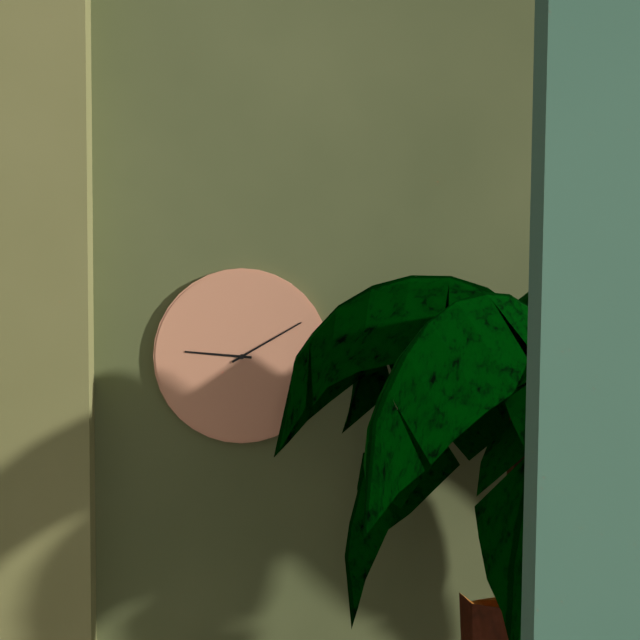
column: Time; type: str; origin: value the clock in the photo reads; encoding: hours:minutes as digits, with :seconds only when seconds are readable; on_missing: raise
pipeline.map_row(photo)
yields 9:10
